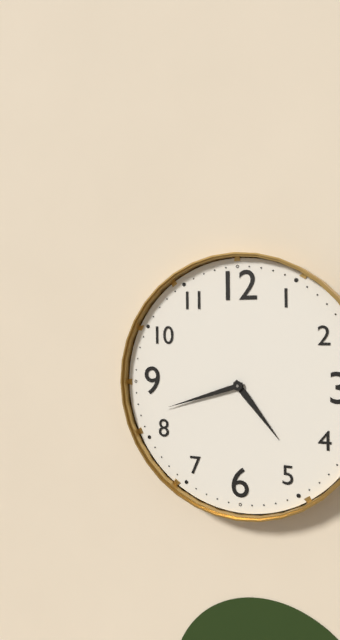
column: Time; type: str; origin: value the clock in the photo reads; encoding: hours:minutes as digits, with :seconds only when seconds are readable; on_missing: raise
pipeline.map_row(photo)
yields 4:42
